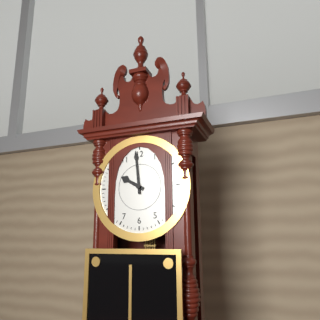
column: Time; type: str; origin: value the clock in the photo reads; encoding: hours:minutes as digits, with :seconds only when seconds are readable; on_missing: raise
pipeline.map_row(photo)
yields 9:59
